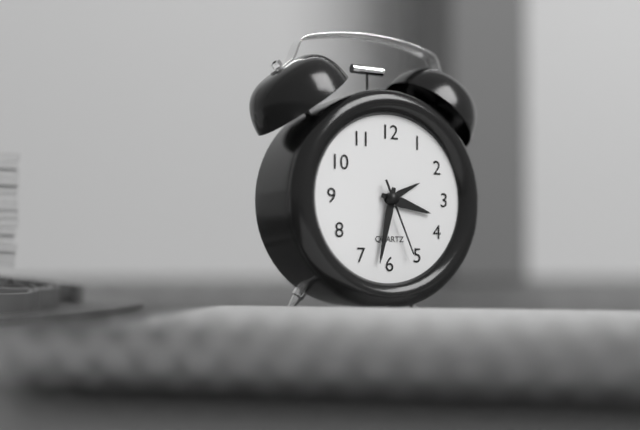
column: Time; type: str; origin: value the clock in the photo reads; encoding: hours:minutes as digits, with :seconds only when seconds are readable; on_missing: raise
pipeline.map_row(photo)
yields 3:32:26
